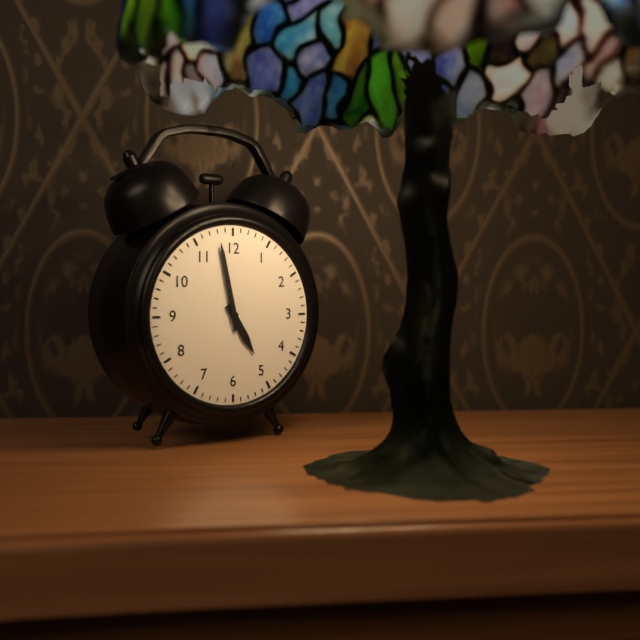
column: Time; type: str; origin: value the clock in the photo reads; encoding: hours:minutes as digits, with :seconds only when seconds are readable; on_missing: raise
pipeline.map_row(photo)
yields 4:58
